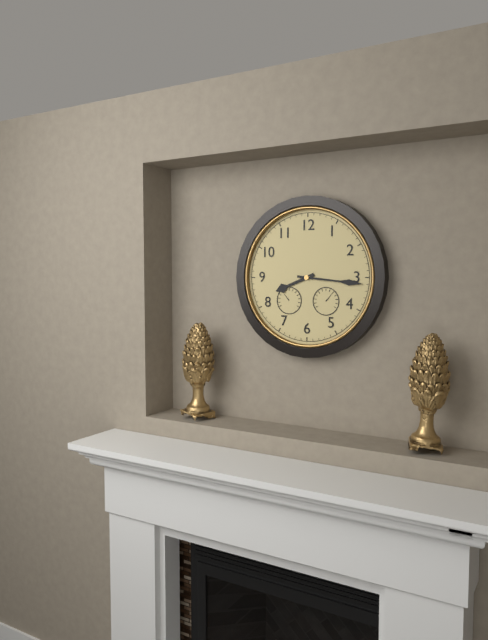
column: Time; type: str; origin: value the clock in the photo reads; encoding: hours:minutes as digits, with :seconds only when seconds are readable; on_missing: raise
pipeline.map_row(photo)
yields 8:16
